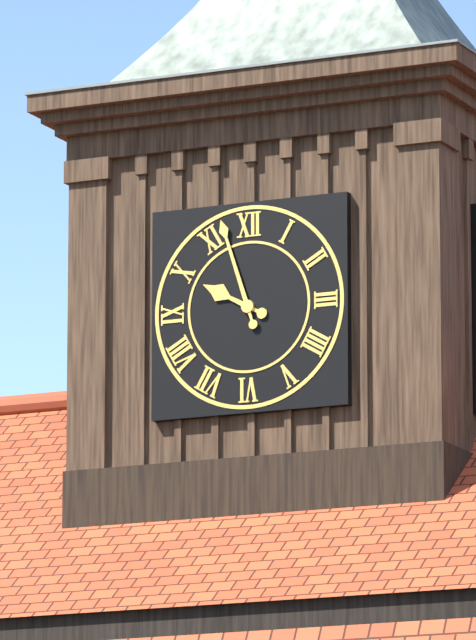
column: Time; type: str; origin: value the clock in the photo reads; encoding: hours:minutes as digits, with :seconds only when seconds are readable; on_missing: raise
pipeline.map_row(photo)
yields 9:57
